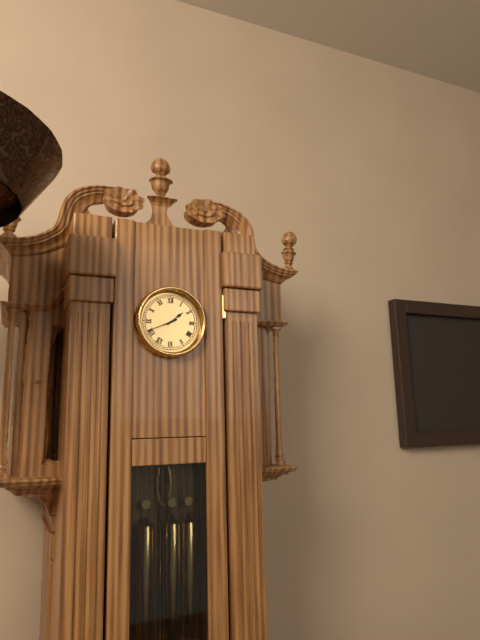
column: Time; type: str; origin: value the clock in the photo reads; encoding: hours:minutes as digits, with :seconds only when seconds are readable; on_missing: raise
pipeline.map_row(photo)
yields 1:41
